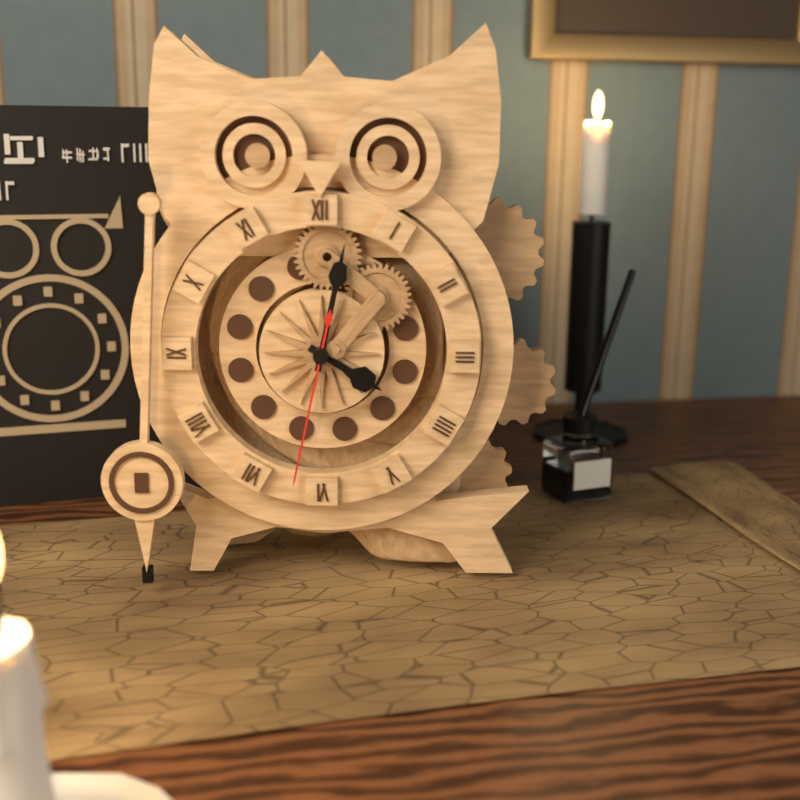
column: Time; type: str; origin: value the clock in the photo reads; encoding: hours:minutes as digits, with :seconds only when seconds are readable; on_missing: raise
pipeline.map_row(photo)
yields 4:02:32
